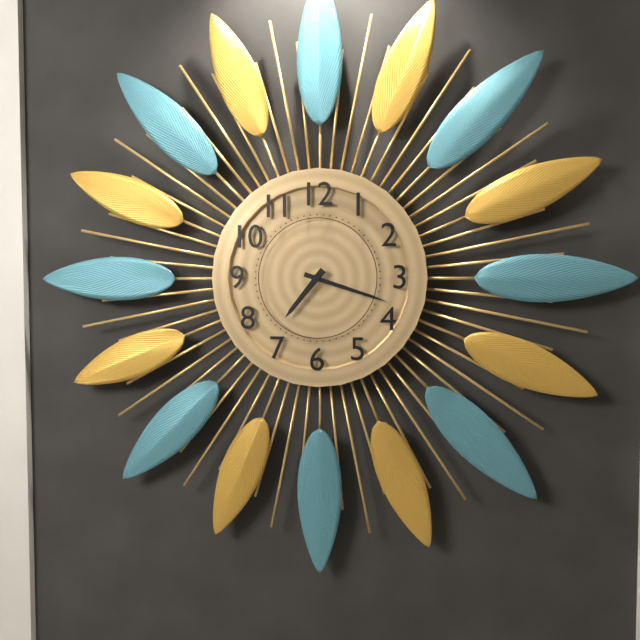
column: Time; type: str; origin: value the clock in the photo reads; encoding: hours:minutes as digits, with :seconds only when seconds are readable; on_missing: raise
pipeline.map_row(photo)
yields 7:18
